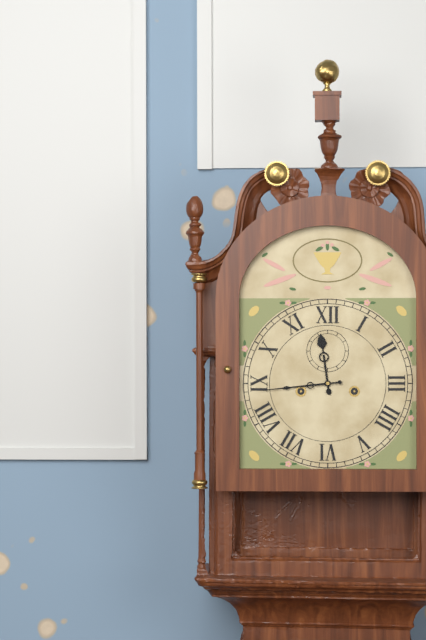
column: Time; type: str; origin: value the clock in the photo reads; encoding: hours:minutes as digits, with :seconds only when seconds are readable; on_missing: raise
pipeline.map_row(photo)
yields 11:44
